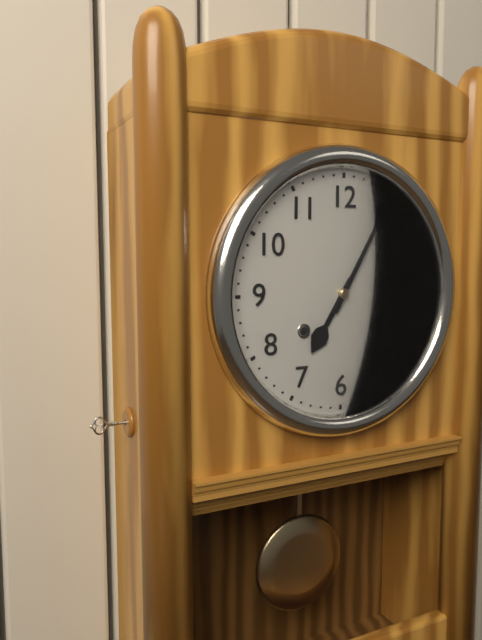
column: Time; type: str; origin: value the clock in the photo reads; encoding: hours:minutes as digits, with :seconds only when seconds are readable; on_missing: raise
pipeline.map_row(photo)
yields 7:05
